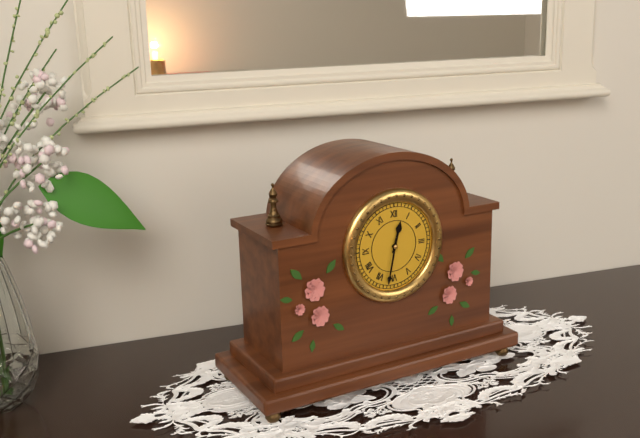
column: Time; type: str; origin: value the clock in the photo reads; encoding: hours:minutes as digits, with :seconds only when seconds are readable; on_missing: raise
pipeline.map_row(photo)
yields 12:32
